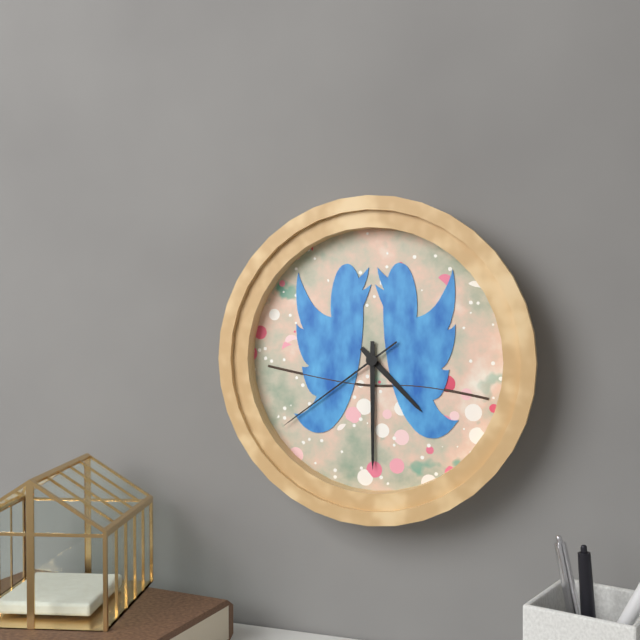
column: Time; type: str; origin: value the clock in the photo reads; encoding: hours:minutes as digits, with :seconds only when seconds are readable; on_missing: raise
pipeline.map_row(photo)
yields 4:30:39
